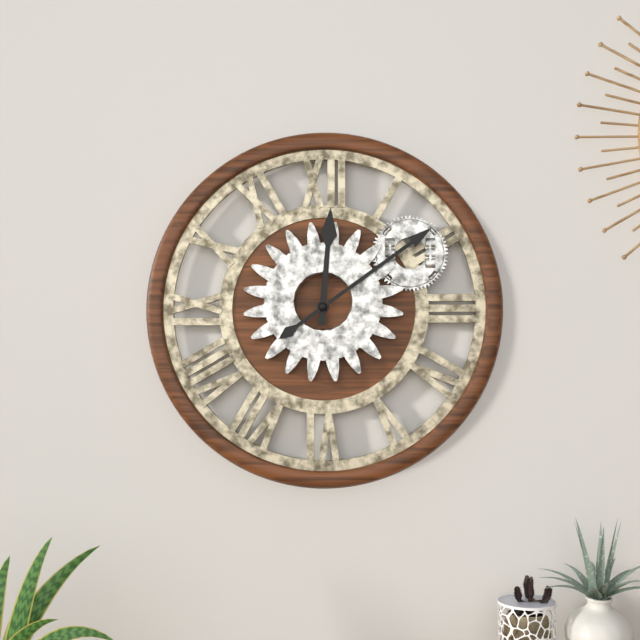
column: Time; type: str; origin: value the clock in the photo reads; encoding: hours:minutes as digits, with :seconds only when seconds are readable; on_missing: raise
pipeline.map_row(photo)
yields 12:09
